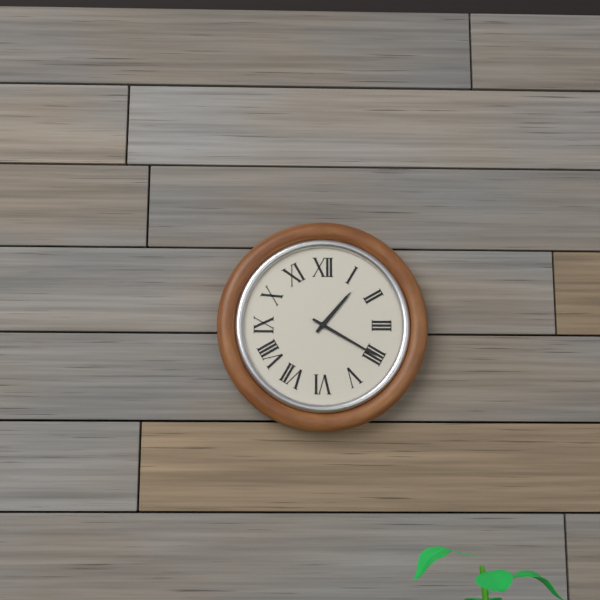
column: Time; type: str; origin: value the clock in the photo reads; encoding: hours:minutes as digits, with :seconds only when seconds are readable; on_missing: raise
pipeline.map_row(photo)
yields 1:20
